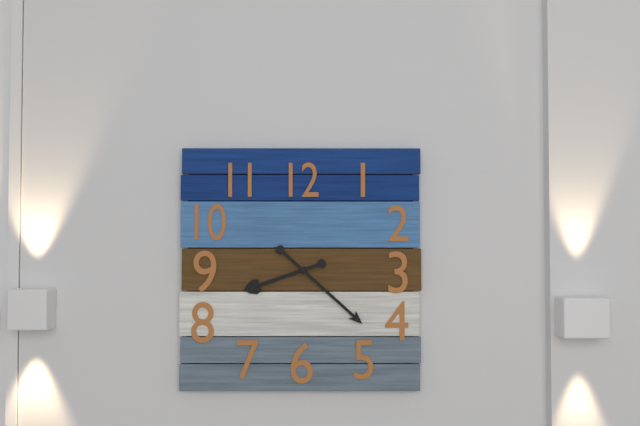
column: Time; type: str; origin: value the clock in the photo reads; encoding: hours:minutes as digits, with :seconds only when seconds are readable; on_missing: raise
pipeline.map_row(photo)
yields 8:22
